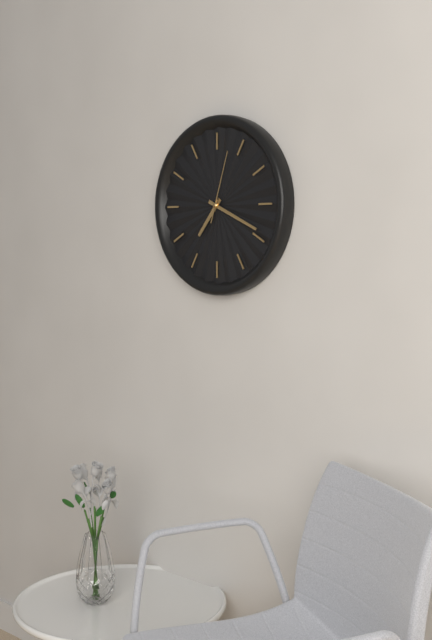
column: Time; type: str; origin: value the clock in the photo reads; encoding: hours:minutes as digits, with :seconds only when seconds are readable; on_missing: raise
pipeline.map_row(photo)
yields 7:19:03
